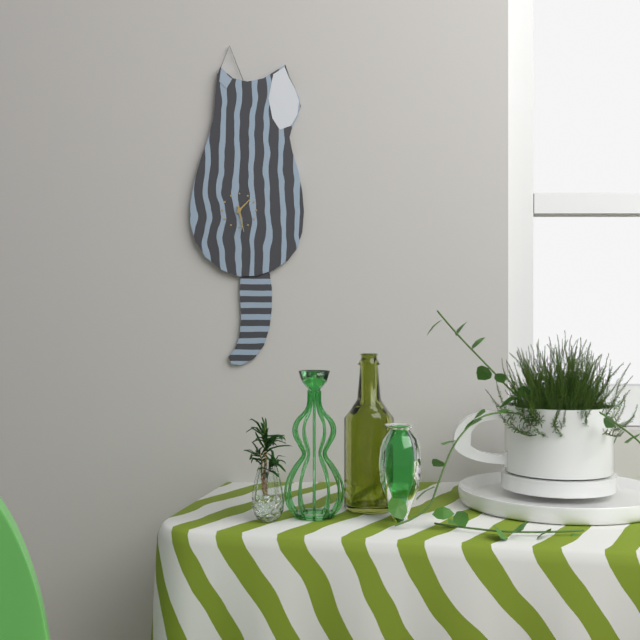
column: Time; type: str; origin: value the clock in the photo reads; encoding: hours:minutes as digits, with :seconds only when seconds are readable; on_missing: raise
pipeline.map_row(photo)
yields 1:28
